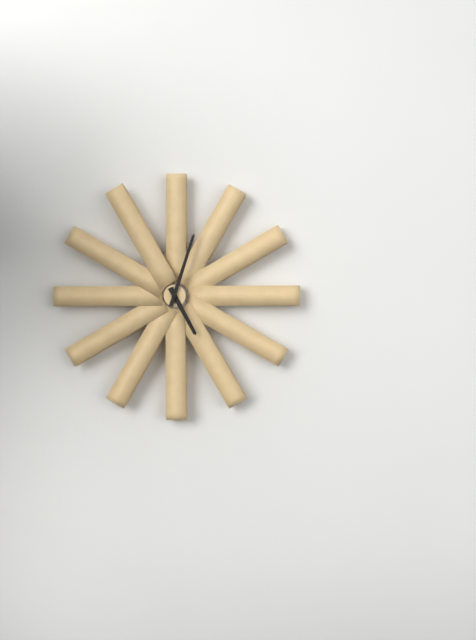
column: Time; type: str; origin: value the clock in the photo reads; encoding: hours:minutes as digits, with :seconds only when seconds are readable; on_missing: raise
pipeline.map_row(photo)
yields 5:03
